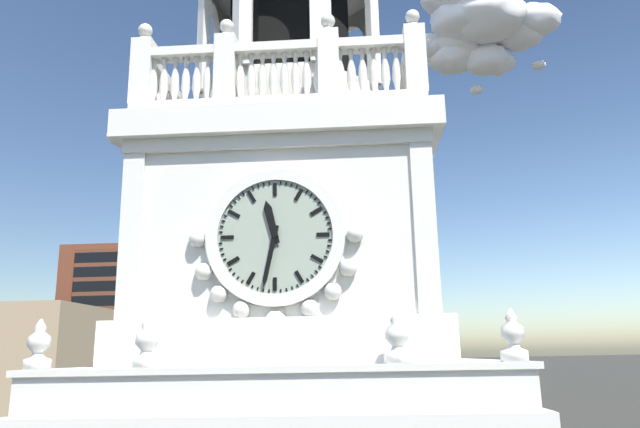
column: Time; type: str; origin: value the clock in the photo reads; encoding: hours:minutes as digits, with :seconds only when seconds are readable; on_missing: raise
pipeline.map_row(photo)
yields 11:32
